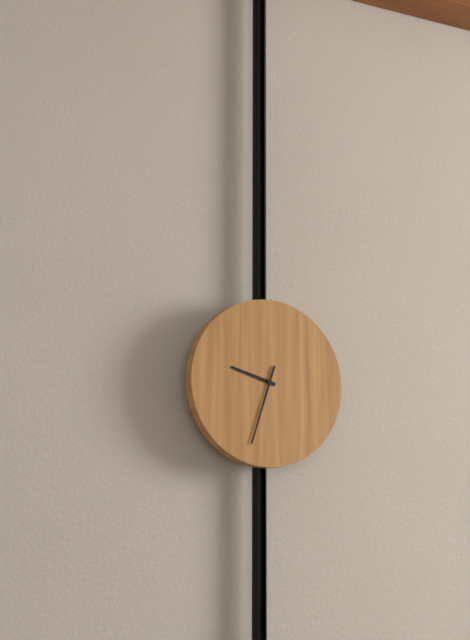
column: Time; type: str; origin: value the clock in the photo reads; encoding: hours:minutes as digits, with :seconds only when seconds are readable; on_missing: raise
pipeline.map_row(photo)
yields 9:33
